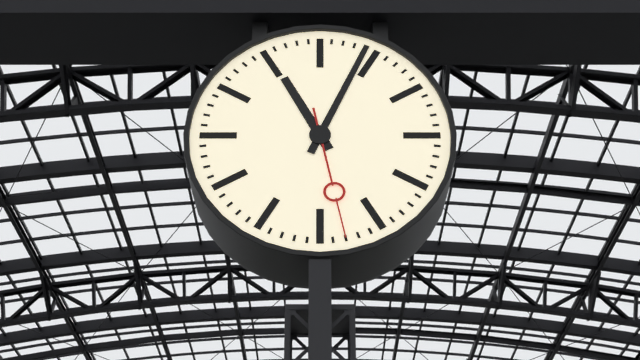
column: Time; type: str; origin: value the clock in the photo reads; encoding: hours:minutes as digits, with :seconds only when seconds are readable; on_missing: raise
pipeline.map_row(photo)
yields 11:04:28
